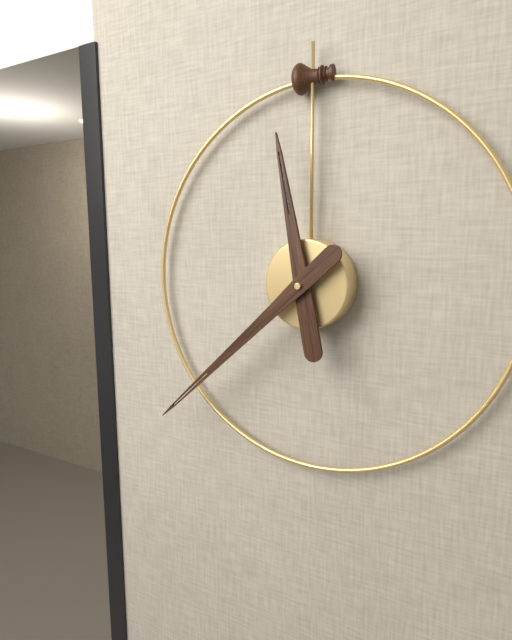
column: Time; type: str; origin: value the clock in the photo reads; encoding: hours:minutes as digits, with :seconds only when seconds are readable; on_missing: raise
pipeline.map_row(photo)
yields 11:38
